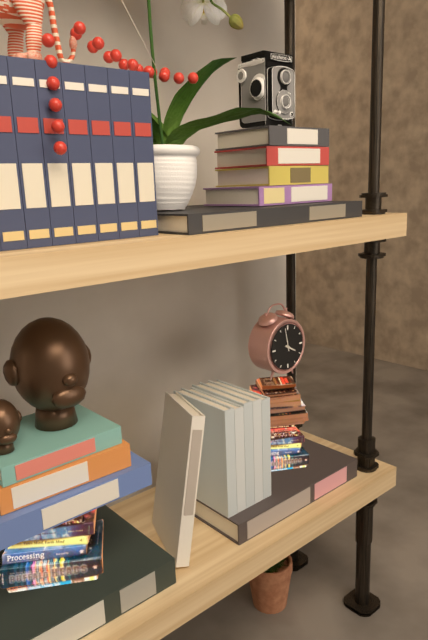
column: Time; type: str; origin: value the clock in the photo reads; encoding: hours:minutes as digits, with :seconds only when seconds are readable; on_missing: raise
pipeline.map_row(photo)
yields 3:58
